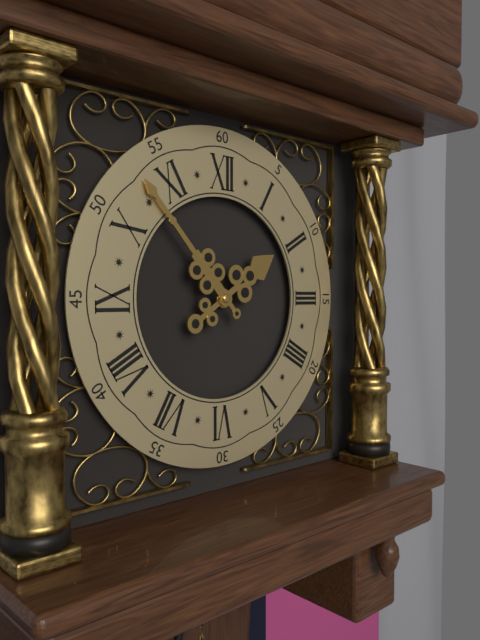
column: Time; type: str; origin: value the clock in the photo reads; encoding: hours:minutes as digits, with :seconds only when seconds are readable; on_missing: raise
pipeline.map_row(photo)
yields 1:53
